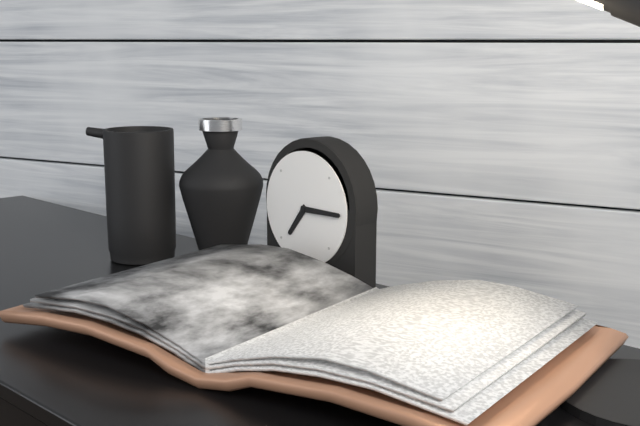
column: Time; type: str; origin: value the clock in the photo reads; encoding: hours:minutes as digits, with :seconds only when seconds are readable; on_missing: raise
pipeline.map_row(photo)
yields 7:15
